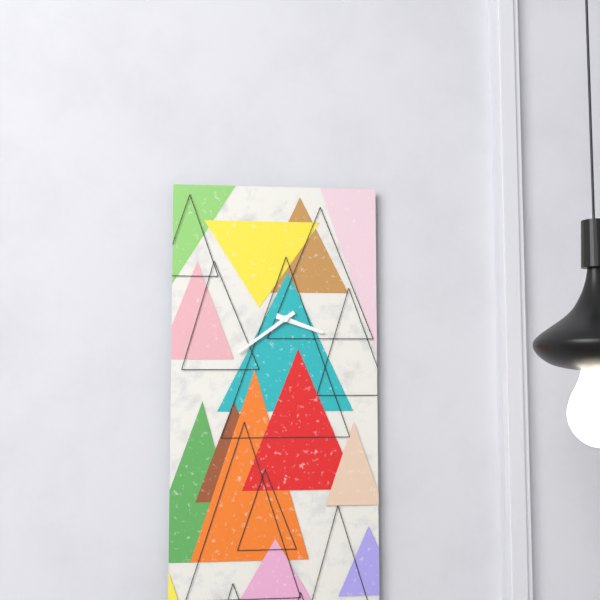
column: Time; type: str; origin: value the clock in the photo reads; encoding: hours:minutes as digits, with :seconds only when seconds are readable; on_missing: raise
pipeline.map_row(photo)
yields 3:39
